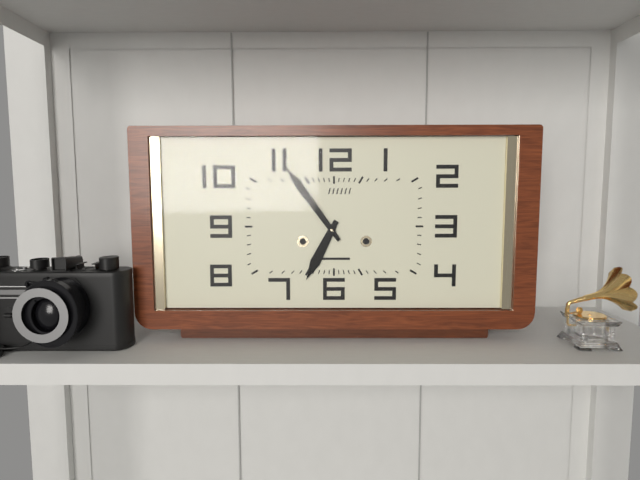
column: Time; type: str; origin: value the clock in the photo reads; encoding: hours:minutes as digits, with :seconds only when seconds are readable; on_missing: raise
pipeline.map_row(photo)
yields 6:54
